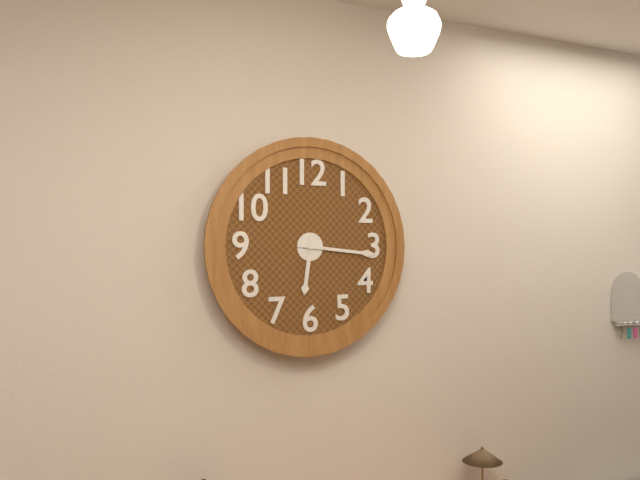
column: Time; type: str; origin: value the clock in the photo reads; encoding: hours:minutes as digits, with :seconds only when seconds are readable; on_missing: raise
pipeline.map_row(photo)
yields 6:16
